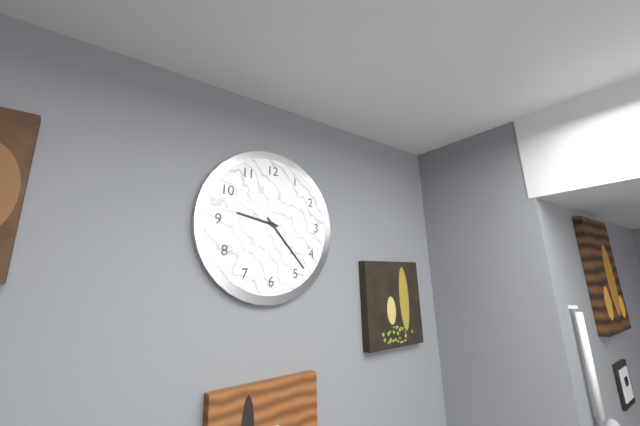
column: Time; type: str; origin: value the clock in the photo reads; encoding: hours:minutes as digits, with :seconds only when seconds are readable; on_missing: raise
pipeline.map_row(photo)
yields 9:23
